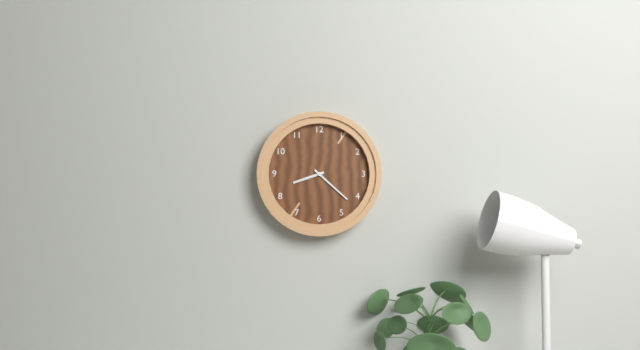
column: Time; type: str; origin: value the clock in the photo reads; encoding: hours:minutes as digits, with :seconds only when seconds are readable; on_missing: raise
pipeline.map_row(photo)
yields 8:22
